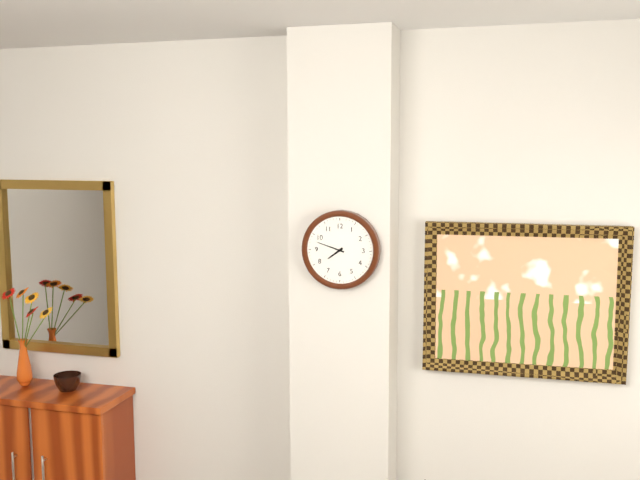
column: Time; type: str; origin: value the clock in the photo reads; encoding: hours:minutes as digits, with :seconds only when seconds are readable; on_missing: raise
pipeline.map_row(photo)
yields 7:48
